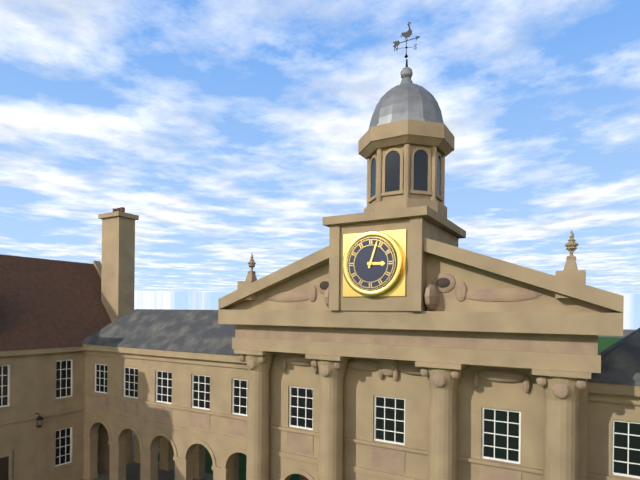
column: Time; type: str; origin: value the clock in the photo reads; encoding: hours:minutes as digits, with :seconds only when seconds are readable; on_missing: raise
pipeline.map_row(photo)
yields 3:03
